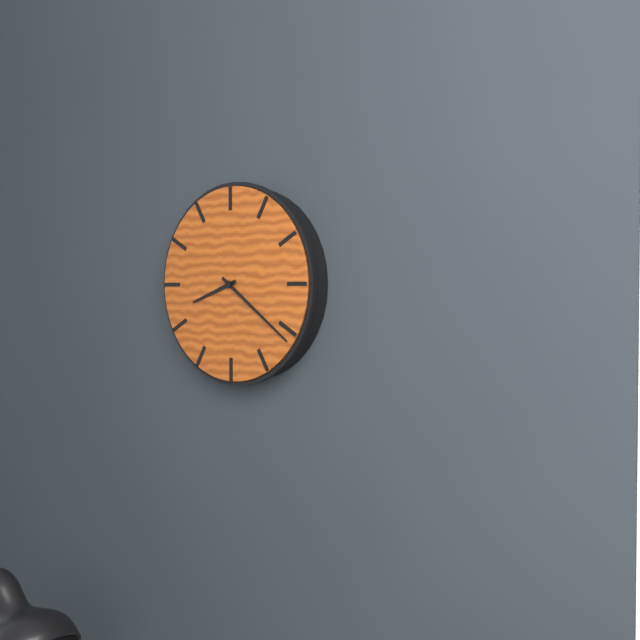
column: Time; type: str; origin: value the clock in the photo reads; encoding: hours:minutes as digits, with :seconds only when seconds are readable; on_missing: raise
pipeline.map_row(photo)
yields 8:21
